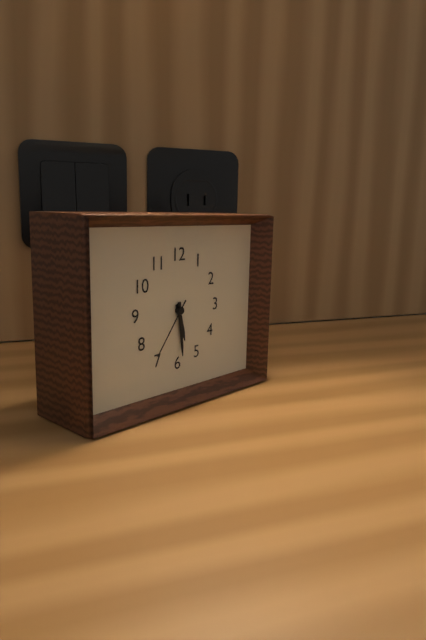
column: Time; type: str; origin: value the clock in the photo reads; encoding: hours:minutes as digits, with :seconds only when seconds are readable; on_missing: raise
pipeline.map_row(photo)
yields 5:29:36
